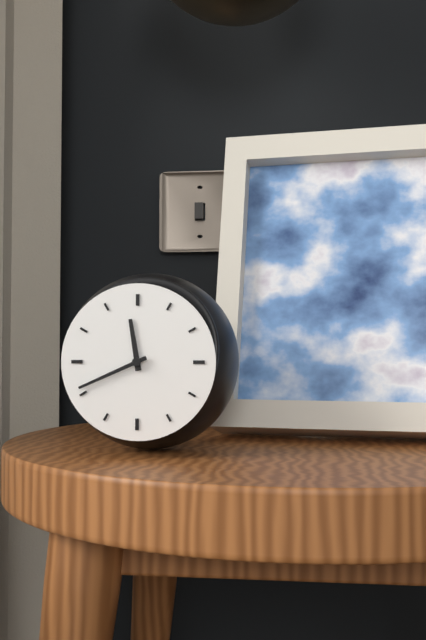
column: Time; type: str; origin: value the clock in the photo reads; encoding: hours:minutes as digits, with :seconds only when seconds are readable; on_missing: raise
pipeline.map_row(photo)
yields 11:41
